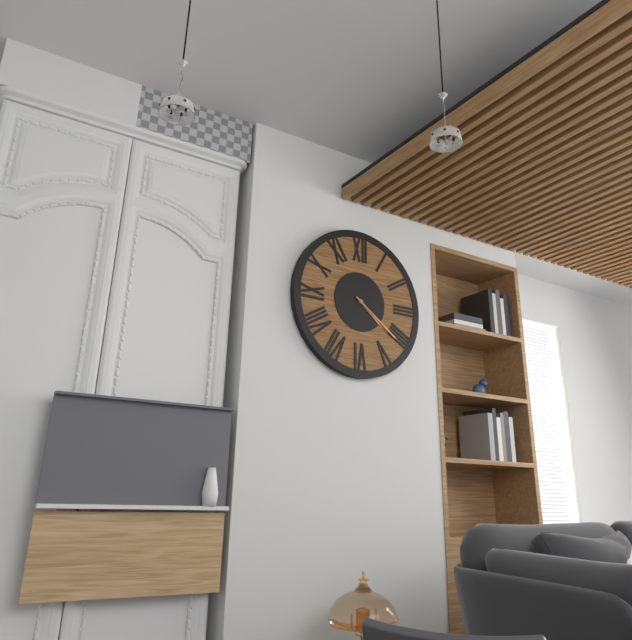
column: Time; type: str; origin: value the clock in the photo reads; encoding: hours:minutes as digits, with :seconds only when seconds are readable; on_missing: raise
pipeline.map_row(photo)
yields 4:21
